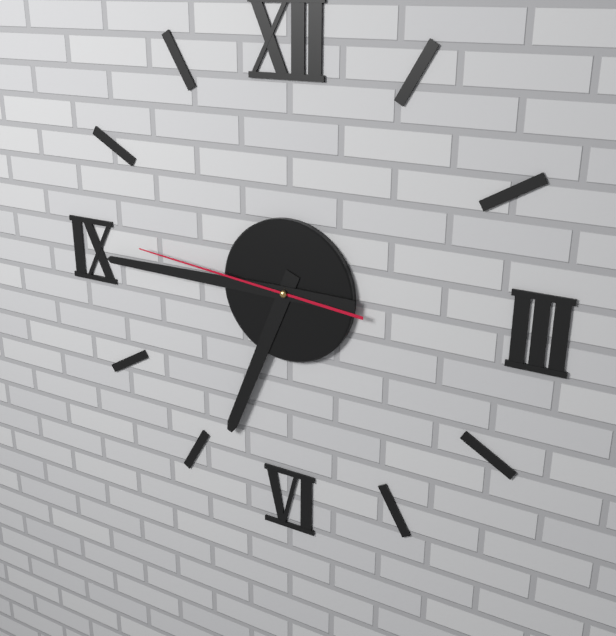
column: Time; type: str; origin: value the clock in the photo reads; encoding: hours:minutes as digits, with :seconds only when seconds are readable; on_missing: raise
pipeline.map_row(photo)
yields 6:45:46
